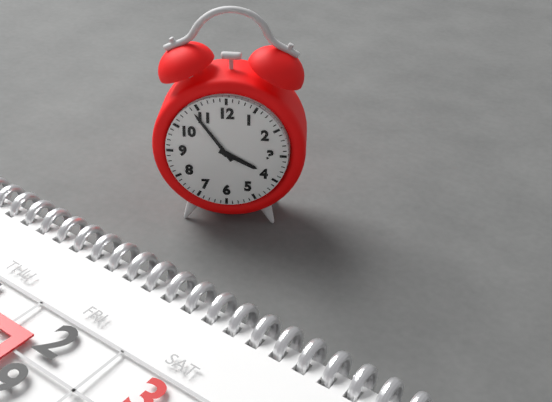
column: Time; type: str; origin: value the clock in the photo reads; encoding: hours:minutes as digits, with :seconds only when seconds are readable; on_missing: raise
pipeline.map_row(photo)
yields 3:54
